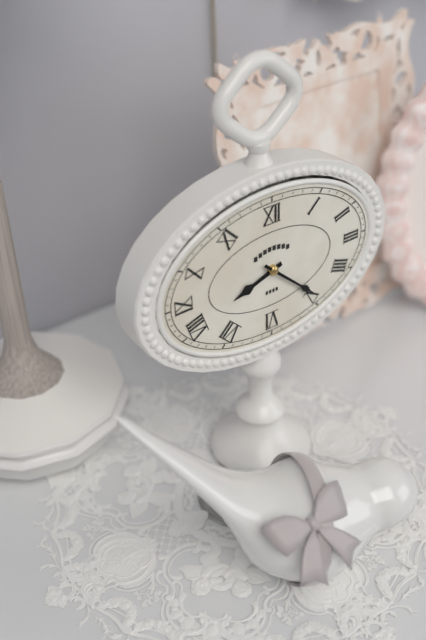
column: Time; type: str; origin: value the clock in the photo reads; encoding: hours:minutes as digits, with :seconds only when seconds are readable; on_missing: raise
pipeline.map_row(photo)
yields 8:22
